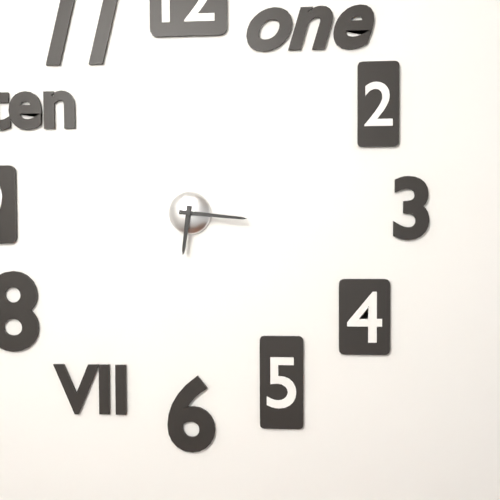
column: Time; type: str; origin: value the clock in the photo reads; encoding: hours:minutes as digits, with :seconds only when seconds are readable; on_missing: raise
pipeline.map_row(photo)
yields 6:16
